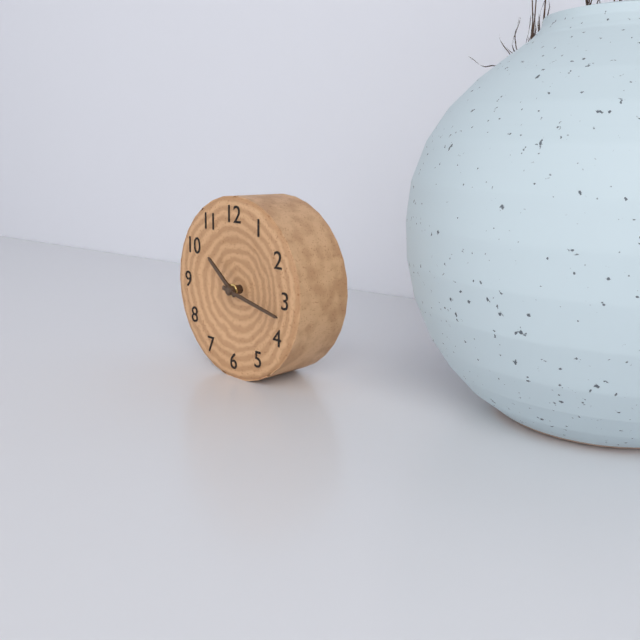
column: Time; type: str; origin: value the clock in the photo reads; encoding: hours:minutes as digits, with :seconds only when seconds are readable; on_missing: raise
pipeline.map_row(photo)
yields 10:17
